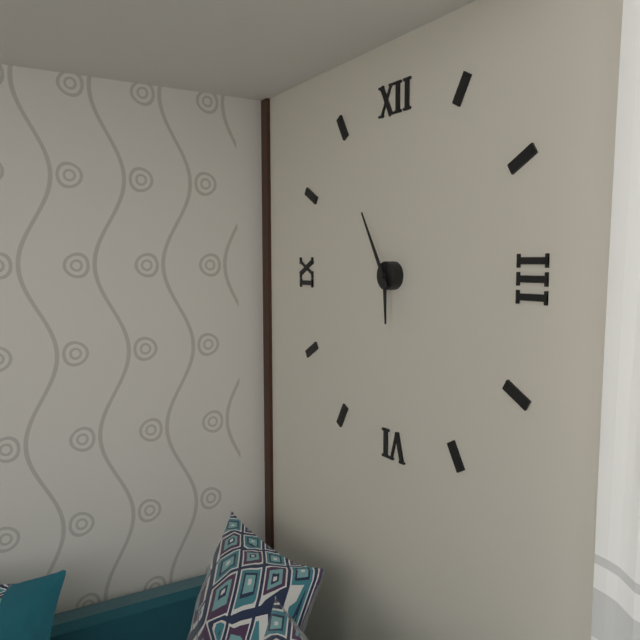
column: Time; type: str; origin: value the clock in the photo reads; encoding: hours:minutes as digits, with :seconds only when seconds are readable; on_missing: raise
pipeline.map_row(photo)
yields 5:55
